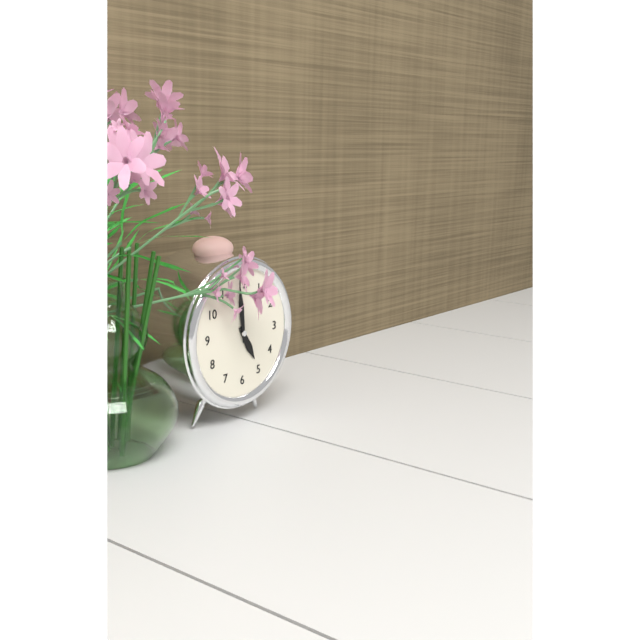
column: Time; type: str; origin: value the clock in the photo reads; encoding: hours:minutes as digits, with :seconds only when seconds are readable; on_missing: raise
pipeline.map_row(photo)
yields 4:59
